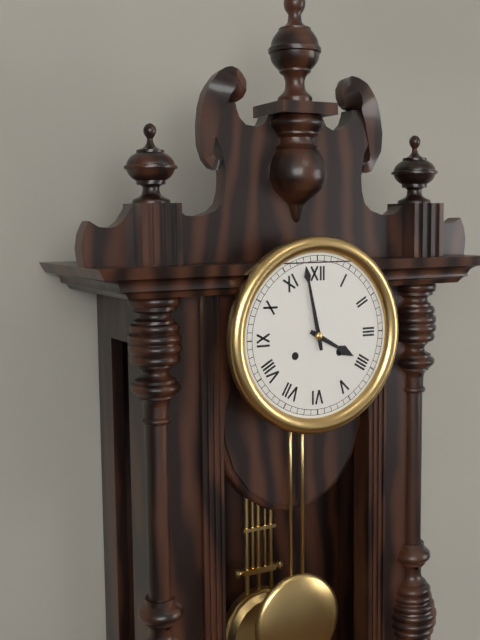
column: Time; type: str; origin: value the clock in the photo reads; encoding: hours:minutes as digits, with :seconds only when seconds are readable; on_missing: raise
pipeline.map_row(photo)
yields 3:58
